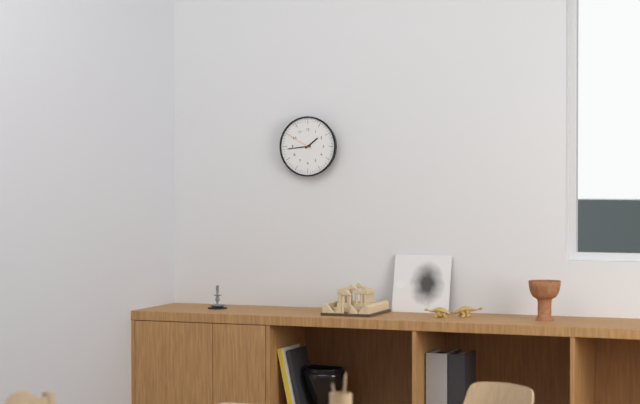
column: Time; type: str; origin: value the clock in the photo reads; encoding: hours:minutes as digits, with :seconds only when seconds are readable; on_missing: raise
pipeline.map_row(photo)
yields 1:44
